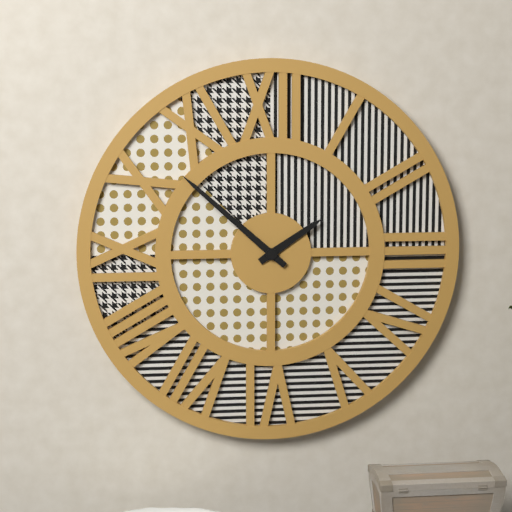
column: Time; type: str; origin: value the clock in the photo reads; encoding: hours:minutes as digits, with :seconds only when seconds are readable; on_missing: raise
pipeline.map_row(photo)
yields 1:52
